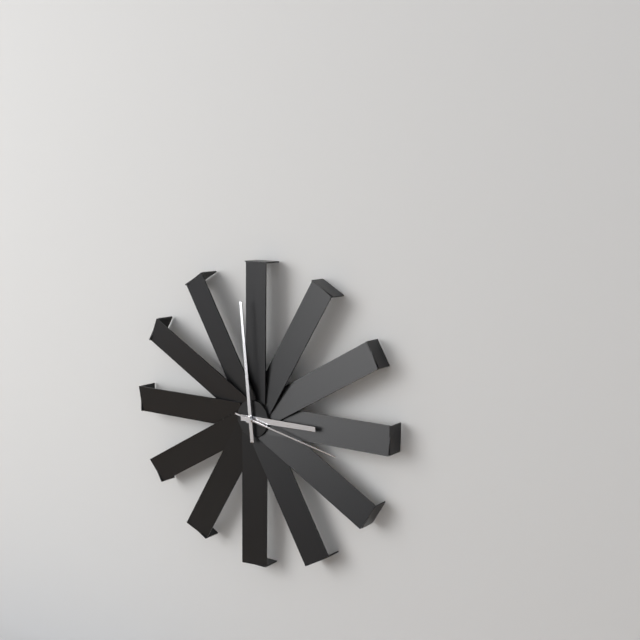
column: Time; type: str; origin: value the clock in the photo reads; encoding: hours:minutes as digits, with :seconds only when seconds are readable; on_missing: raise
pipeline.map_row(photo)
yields 2:59:17
